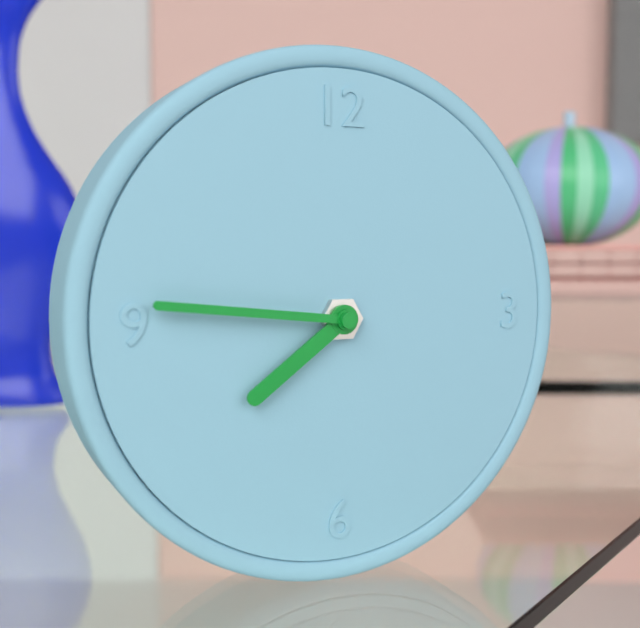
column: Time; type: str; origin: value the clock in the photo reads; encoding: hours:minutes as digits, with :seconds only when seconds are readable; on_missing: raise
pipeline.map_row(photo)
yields 7:46
